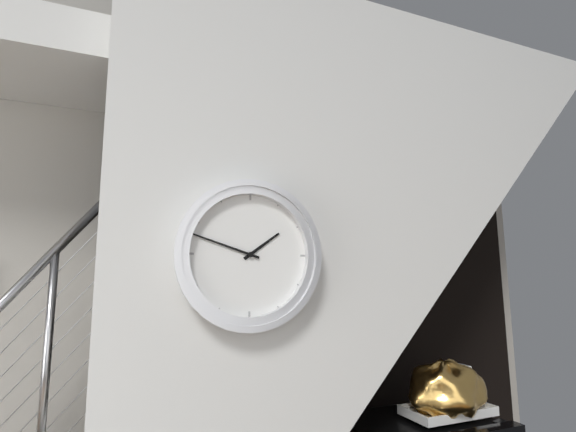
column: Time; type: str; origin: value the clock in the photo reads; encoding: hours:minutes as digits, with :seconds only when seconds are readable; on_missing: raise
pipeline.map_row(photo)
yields 1:48
